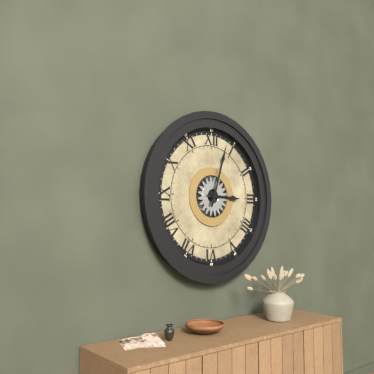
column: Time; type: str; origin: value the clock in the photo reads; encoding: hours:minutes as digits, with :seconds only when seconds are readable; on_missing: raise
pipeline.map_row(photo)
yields 3:03
